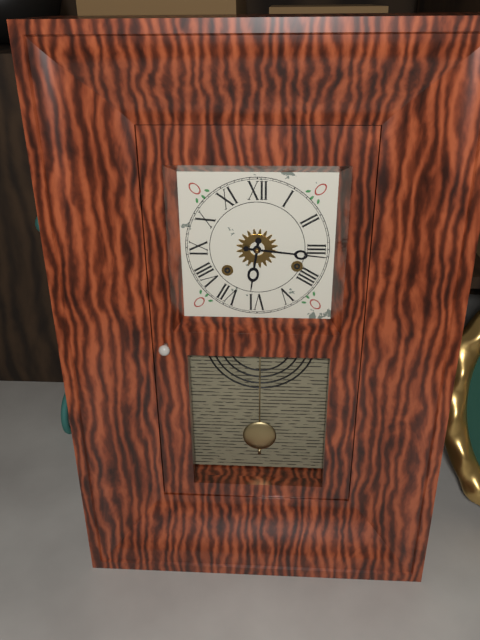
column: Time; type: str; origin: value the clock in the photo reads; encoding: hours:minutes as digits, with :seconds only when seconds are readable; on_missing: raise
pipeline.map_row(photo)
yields 6:16
